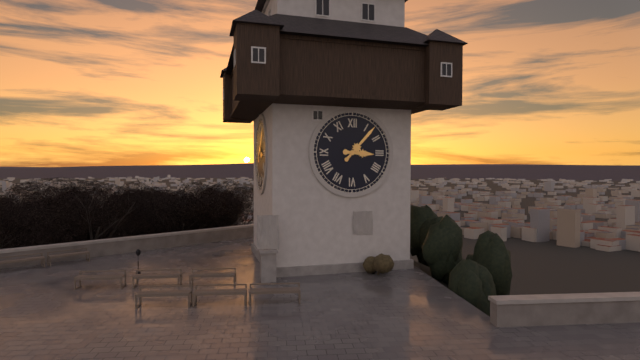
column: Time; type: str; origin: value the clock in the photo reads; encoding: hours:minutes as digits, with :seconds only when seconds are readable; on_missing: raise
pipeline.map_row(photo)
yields 3:07
